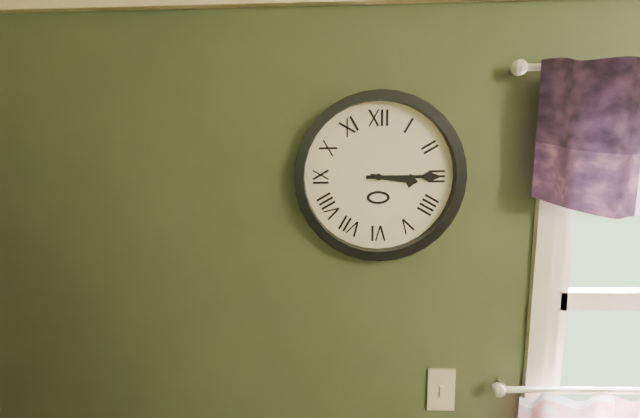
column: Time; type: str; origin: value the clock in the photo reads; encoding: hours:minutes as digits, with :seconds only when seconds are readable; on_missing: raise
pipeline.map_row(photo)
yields 3:15
